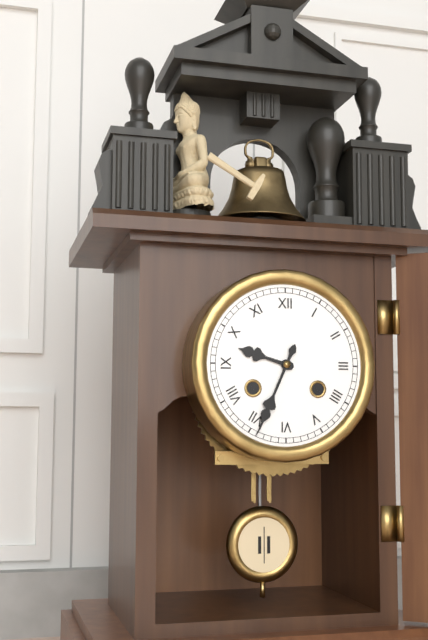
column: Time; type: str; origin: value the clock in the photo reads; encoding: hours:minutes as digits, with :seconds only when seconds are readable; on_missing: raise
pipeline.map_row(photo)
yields 9:34
